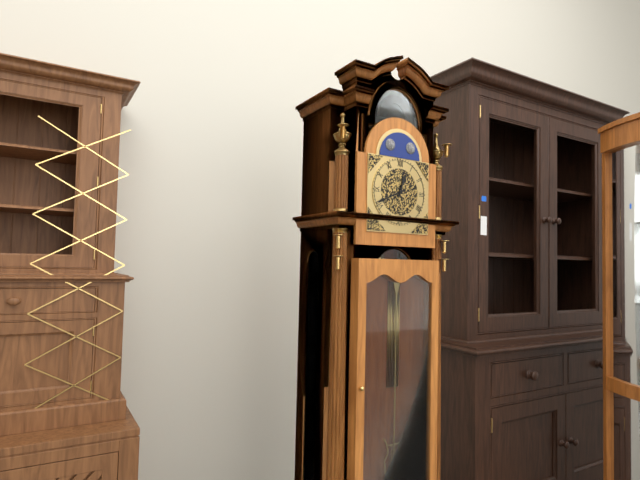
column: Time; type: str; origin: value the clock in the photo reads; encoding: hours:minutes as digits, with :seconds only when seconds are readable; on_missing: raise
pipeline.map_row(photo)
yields 12:41
